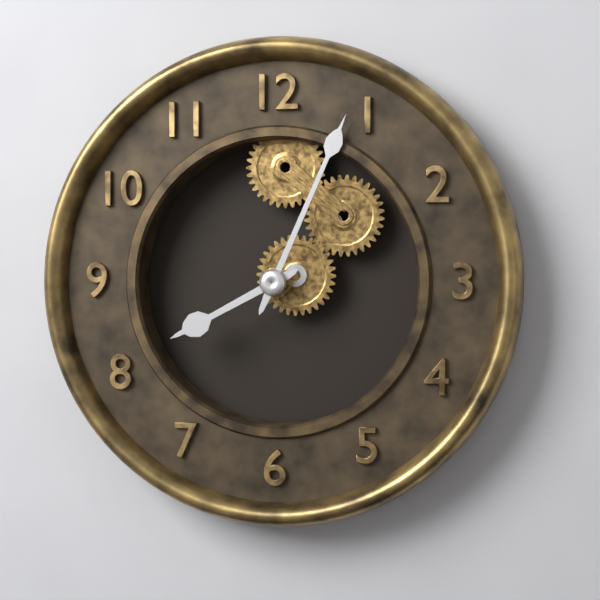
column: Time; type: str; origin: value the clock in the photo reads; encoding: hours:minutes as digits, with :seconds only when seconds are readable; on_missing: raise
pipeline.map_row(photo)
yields 8:04
